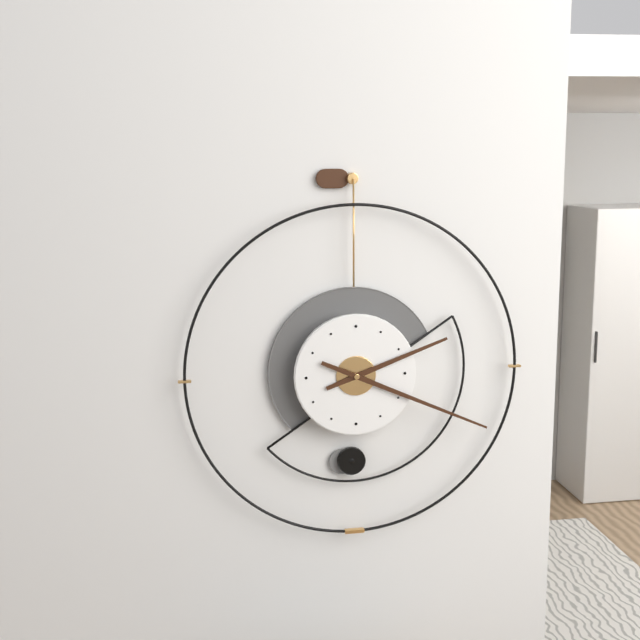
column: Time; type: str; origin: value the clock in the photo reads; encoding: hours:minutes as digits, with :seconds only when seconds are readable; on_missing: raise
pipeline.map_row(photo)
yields 2:19
